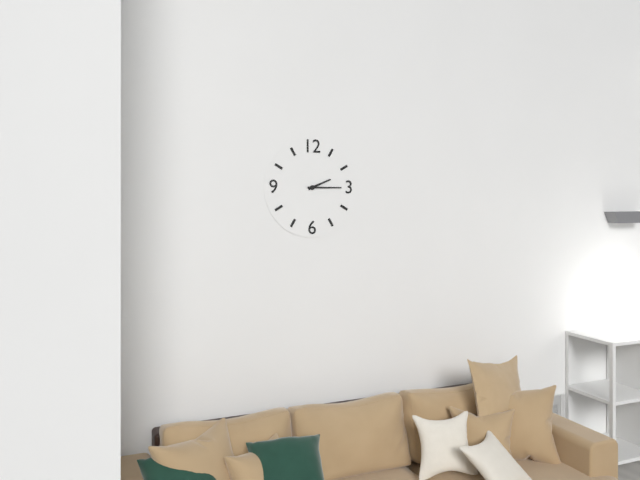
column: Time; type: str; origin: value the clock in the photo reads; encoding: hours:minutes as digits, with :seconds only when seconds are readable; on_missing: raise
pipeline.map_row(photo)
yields 2:15
